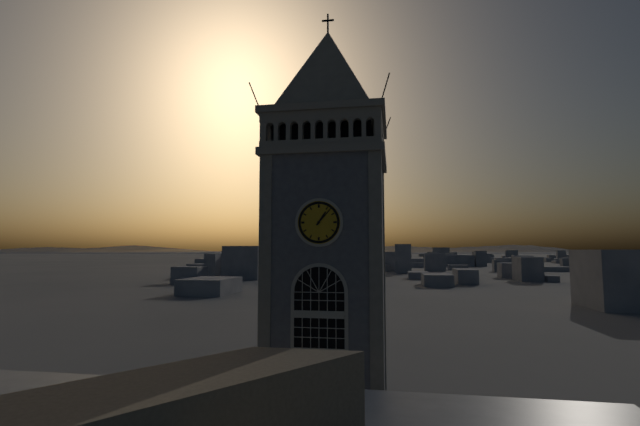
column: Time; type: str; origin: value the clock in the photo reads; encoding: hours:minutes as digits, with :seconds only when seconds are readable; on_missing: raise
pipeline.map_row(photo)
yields 1:07
